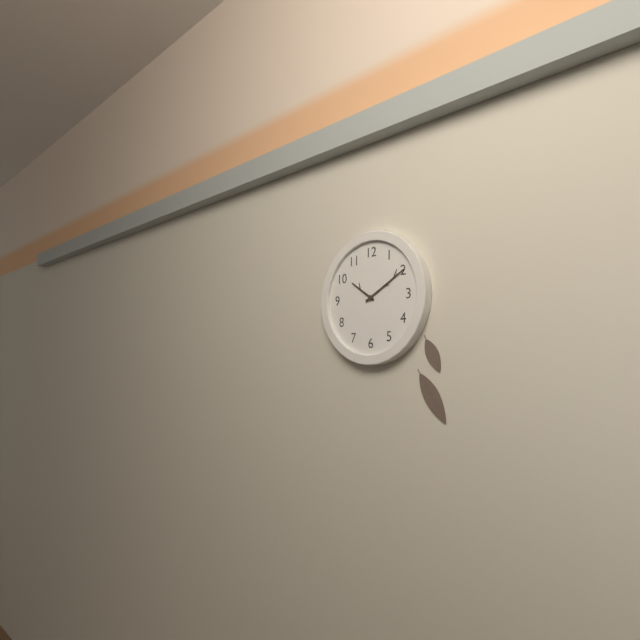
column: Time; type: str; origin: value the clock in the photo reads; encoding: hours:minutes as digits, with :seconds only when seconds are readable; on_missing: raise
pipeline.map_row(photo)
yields 10:10
